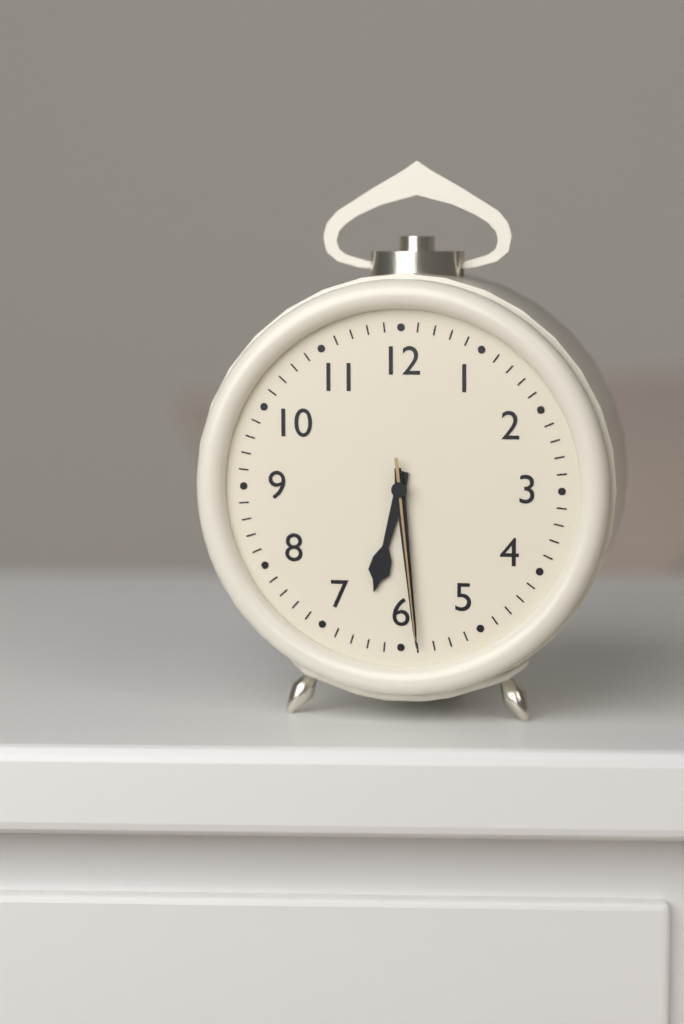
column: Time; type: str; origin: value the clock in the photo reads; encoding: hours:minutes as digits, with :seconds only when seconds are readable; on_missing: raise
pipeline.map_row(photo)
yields 6:29:29
